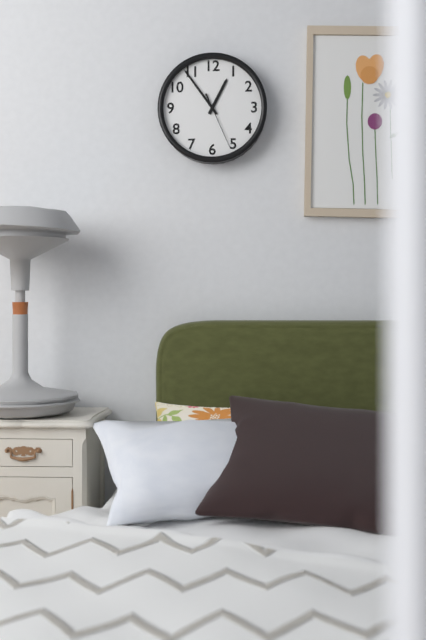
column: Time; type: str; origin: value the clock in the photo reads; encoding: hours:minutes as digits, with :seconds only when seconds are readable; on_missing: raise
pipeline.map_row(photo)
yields 12:54:26
